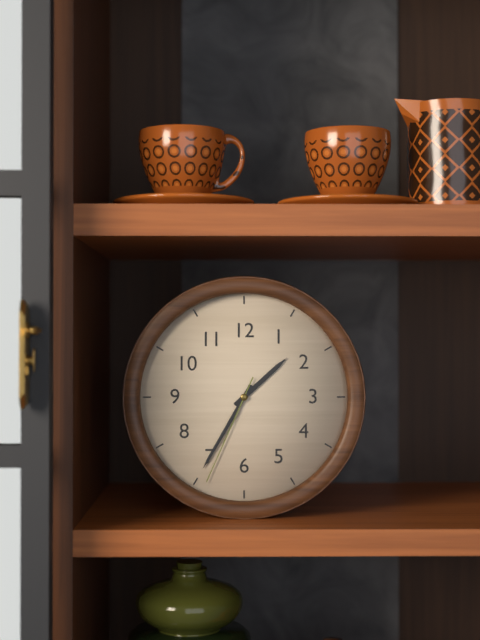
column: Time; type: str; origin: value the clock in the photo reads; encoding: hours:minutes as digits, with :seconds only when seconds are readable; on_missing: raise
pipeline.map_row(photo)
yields 1:35:34
